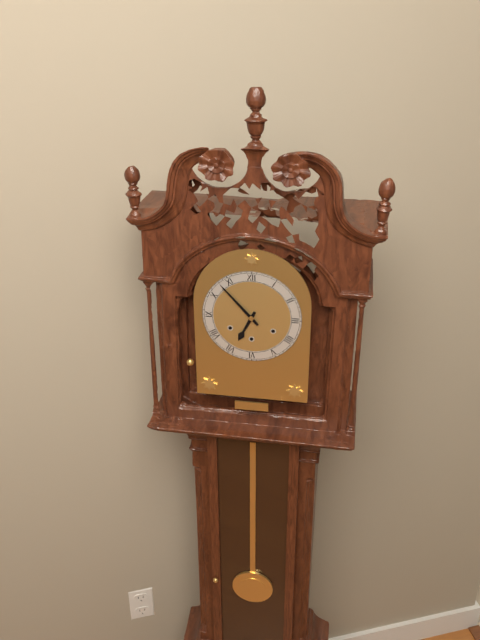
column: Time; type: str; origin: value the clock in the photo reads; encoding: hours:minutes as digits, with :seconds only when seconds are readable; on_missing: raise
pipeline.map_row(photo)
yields 6:53
